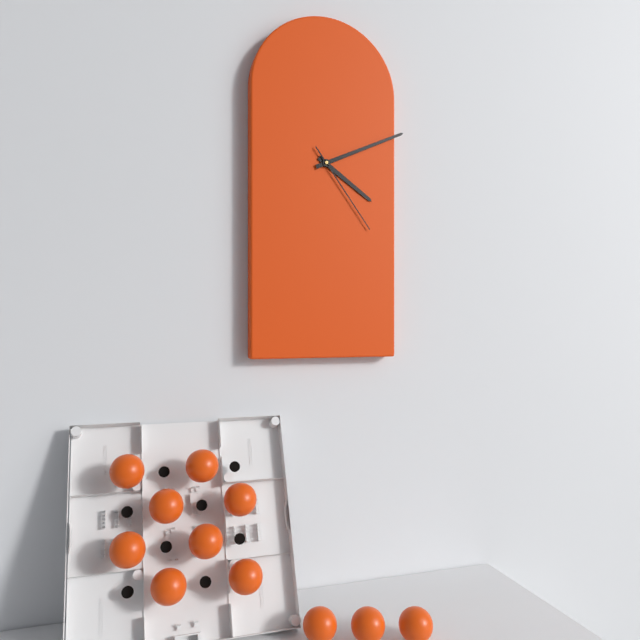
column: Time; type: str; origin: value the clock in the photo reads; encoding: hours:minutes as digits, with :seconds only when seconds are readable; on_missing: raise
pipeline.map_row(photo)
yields 4:11:24
